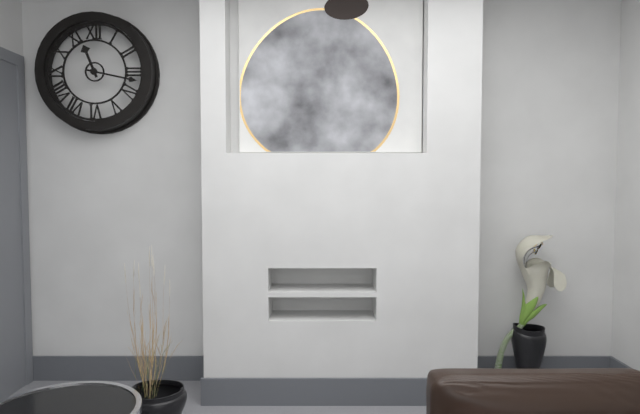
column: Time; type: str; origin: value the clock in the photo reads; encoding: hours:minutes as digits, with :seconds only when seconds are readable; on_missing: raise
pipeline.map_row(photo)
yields 11:17
